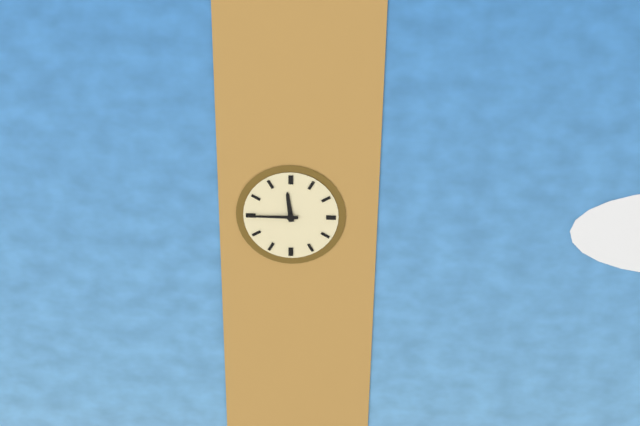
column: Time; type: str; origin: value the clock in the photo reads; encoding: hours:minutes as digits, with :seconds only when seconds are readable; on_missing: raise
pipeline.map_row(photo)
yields 11:45
